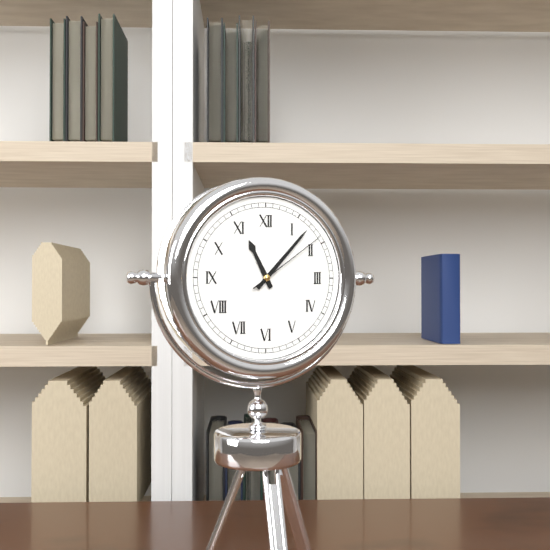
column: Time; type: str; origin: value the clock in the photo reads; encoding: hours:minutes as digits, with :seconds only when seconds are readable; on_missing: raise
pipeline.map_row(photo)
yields 11:07:09
